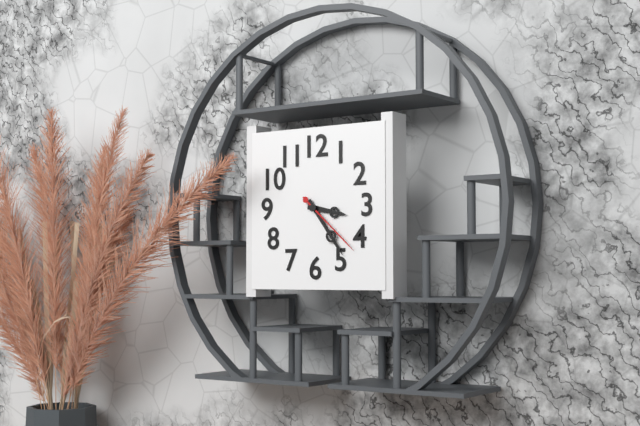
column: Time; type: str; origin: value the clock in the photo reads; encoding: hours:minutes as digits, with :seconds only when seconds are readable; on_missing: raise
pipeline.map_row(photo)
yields 3:24:22
